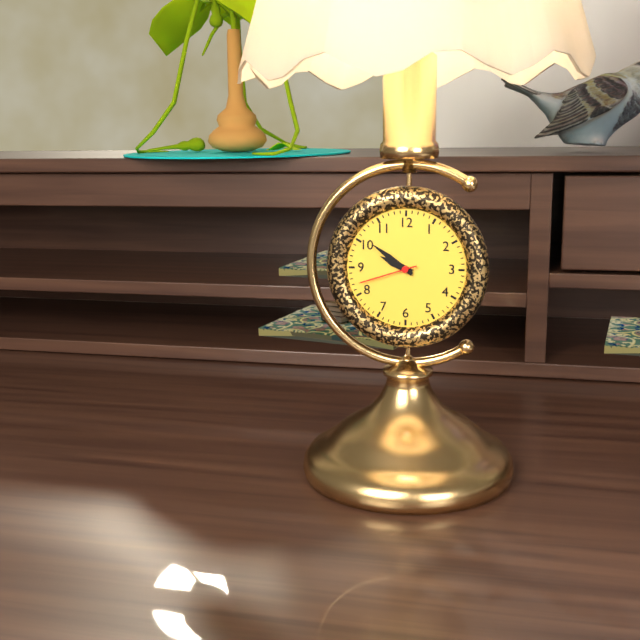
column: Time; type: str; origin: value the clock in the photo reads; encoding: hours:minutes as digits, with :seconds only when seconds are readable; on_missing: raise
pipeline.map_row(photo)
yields 9:51:42
